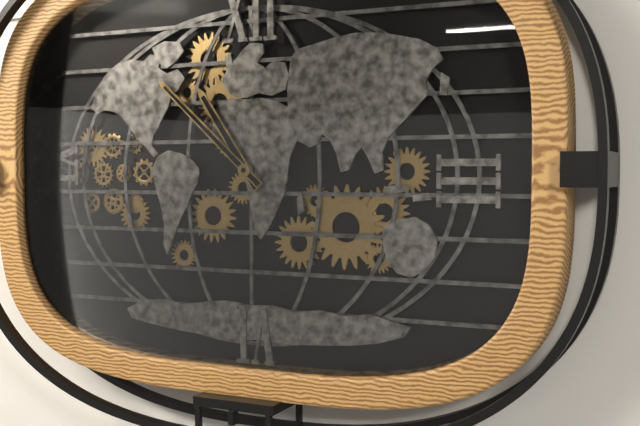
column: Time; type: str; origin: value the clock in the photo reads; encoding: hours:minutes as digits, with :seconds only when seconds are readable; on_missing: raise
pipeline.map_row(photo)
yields 10:52
